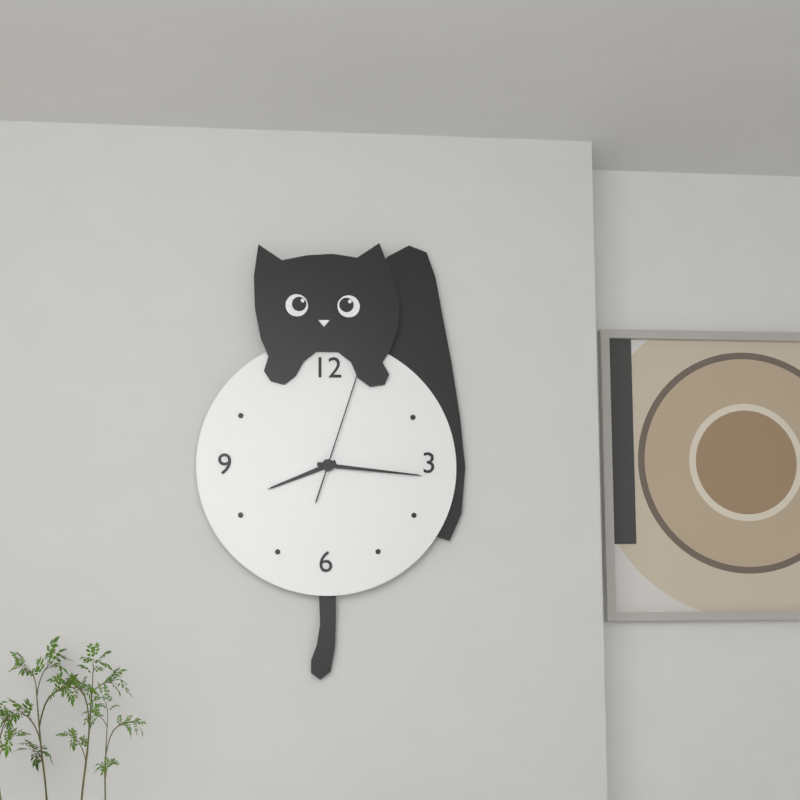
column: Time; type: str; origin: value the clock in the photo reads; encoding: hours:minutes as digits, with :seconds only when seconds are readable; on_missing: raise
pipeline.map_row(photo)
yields 8:16:03
